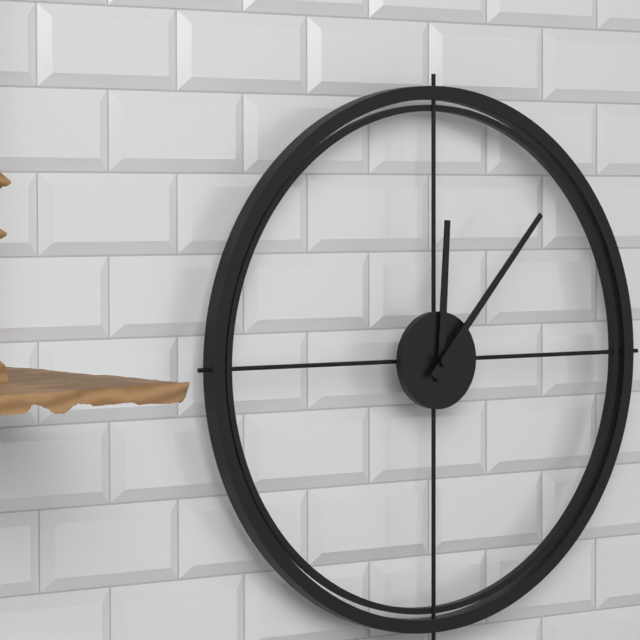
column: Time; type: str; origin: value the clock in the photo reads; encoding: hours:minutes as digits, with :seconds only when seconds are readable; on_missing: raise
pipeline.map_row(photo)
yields 12:07
